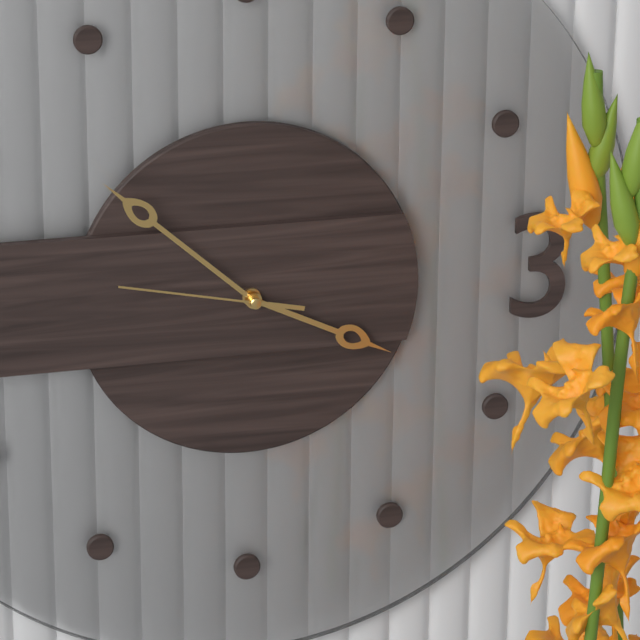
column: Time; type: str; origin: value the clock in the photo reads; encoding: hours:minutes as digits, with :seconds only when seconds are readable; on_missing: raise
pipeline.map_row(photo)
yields 3:52:47
